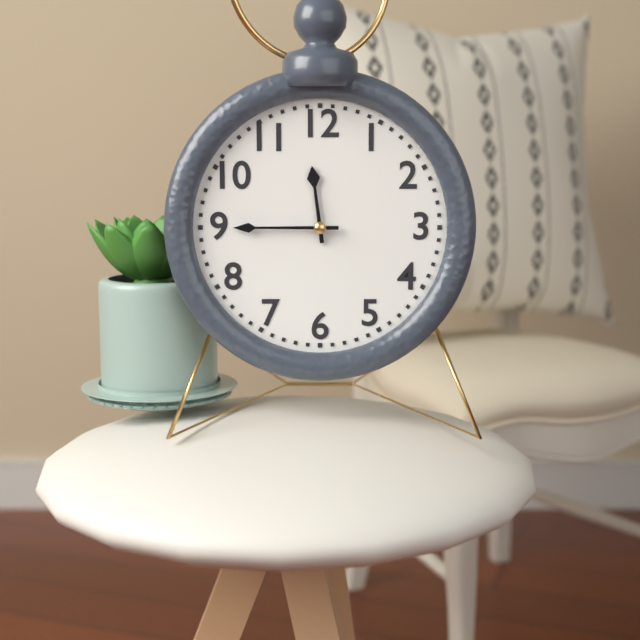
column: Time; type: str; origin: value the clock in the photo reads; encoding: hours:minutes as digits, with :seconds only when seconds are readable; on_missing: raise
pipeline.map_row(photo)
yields 11:45
